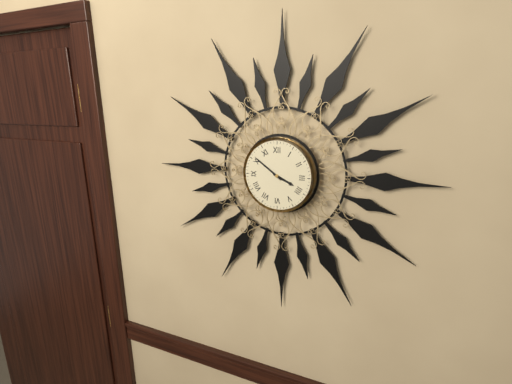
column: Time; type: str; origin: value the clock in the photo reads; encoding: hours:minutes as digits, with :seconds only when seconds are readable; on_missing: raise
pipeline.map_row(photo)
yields 3:51
